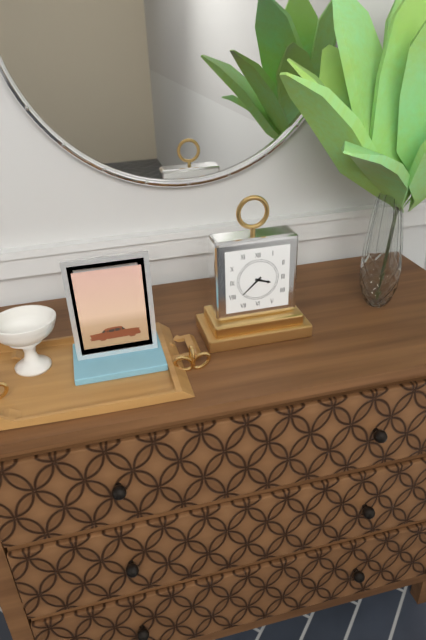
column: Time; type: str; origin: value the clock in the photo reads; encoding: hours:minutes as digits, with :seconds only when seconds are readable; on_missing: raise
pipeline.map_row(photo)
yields 3:38
